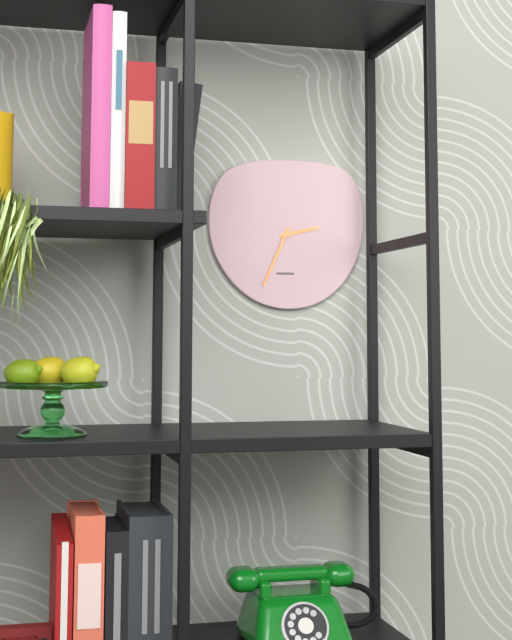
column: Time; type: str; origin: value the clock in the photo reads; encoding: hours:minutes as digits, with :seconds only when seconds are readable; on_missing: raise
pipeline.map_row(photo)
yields 2:34
